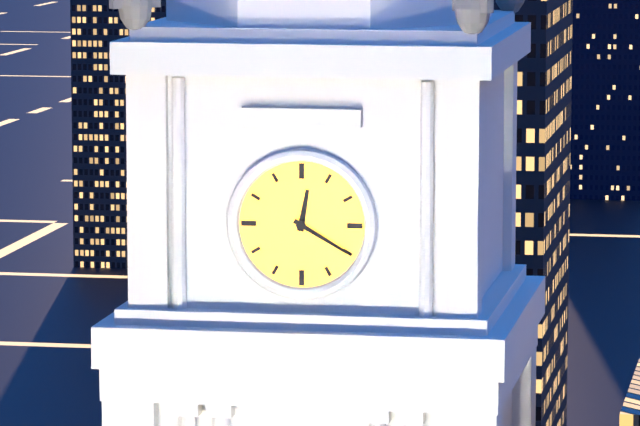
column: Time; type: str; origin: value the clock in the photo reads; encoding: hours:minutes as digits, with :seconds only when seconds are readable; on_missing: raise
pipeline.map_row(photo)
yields 12:20
